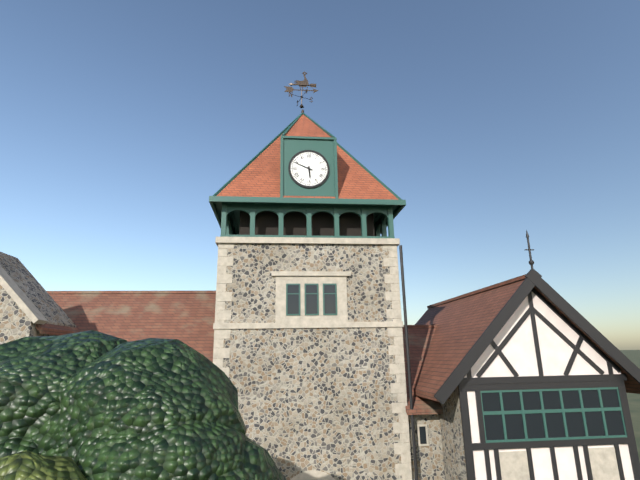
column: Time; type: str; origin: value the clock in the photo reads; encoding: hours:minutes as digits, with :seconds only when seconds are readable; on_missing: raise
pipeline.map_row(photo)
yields 5:49
